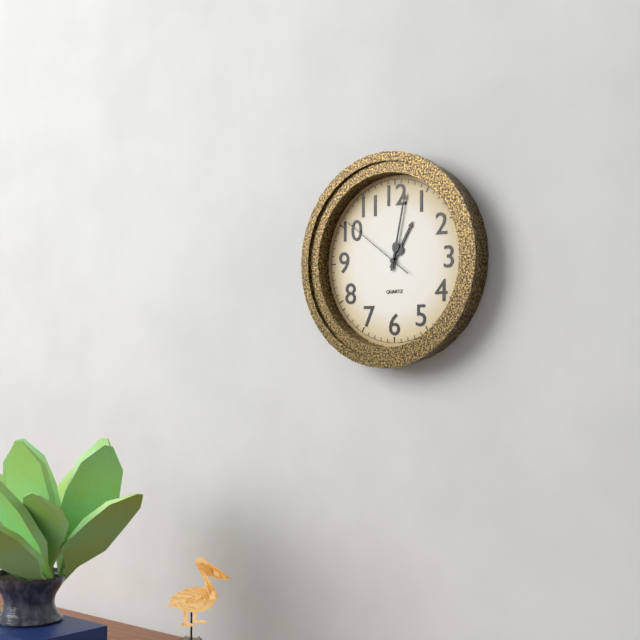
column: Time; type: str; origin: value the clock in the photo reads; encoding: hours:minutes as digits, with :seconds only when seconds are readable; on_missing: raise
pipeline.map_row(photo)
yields 1:02:51
